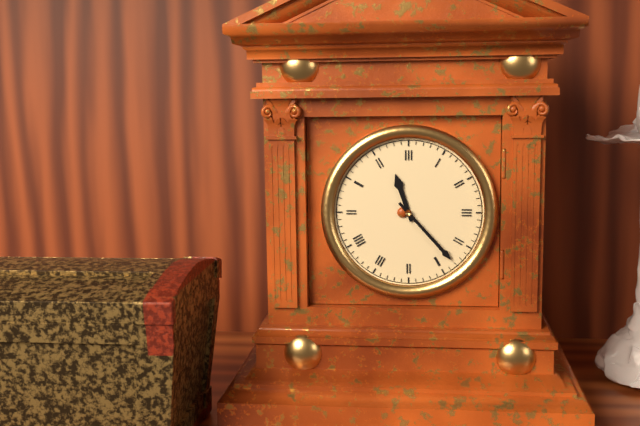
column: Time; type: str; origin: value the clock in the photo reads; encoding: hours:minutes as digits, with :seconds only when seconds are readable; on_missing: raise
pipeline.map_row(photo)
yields 11:23
